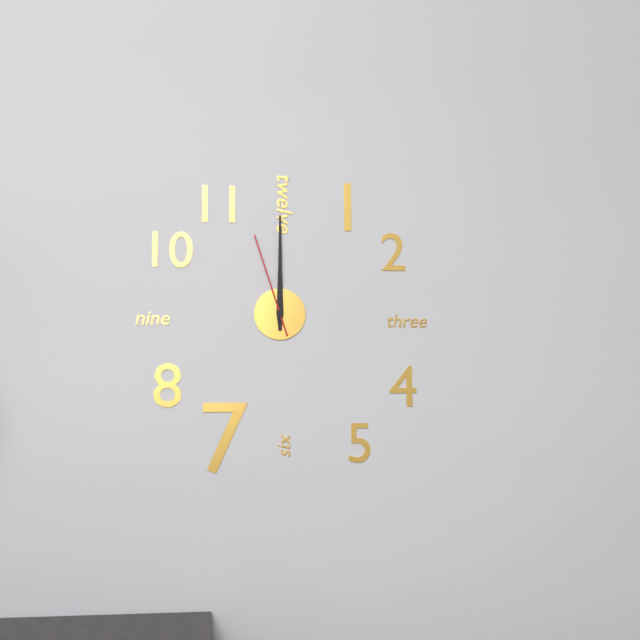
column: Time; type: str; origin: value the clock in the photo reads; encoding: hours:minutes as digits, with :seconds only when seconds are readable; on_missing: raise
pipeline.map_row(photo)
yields 12:00:57
